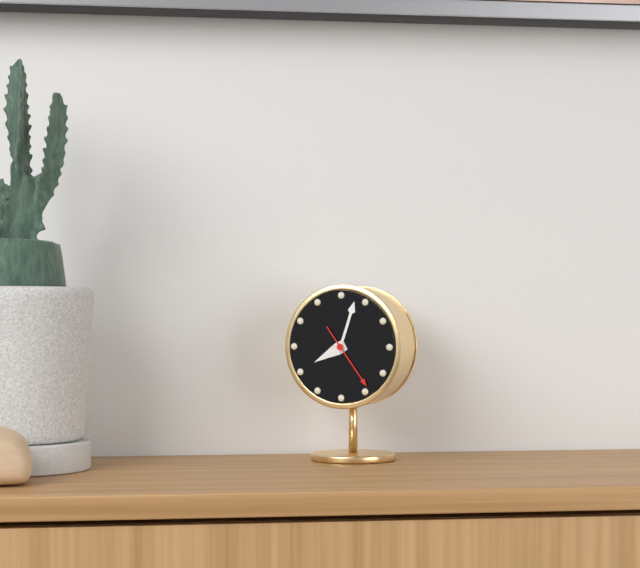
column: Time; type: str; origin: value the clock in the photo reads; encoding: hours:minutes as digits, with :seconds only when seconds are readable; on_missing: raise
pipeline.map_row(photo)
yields 8:03:24
